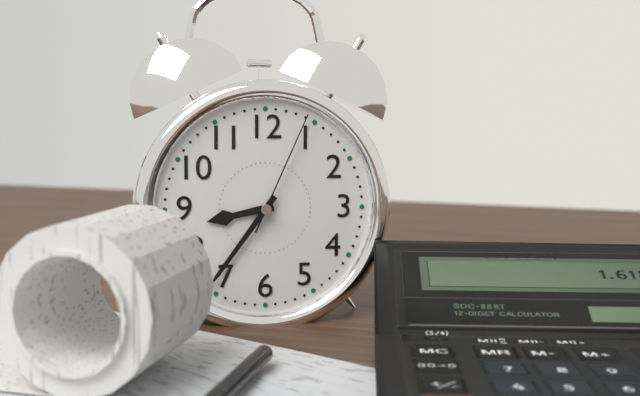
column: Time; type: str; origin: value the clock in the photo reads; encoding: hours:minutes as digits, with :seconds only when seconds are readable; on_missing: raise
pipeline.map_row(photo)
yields 8:36:04
